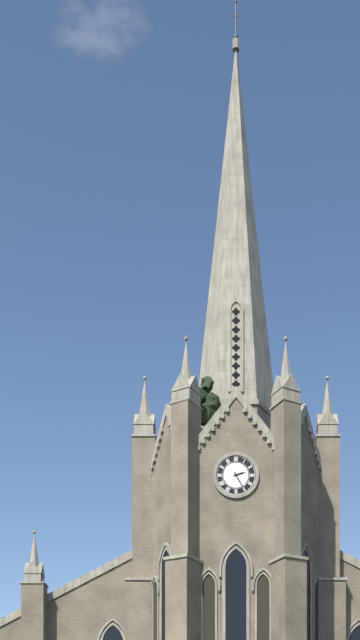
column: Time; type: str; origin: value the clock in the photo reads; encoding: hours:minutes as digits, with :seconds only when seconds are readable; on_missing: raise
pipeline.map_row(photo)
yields 2:25
